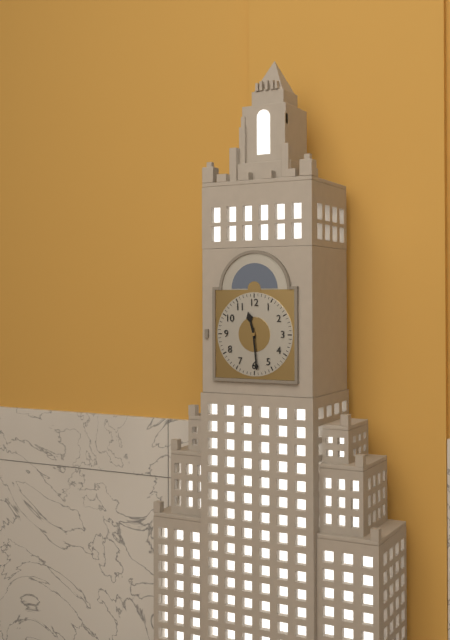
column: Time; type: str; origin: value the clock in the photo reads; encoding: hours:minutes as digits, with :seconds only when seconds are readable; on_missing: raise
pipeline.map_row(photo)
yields 11:29
